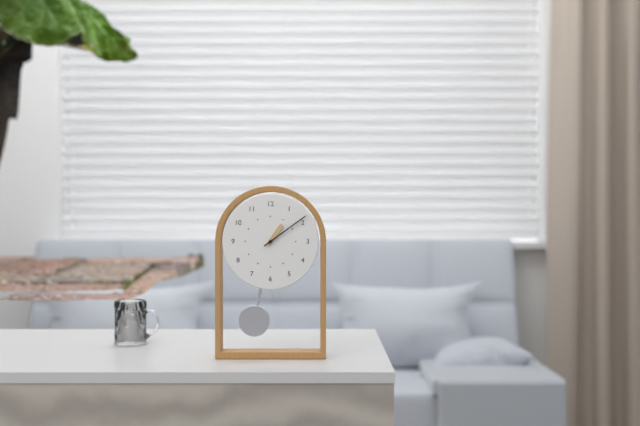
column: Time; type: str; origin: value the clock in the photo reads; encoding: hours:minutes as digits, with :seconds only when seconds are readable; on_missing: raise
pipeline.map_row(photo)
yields 1:09
